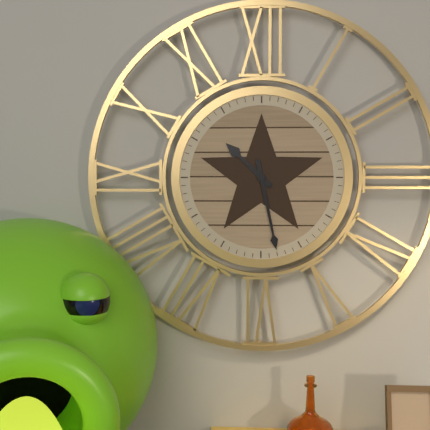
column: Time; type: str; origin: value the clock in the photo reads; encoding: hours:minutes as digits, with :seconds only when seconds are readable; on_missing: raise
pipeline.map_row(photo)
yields 10:28
